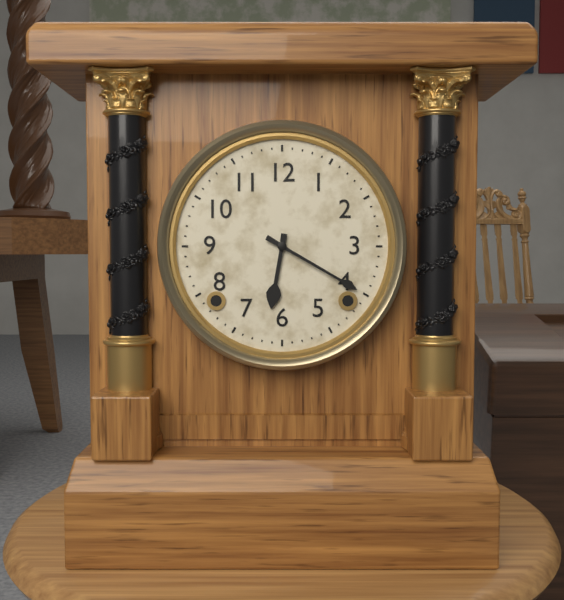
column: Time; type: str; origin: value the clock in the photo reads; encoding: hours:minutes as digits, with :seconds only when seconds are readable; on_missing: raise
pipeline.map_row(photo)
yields 6:20
